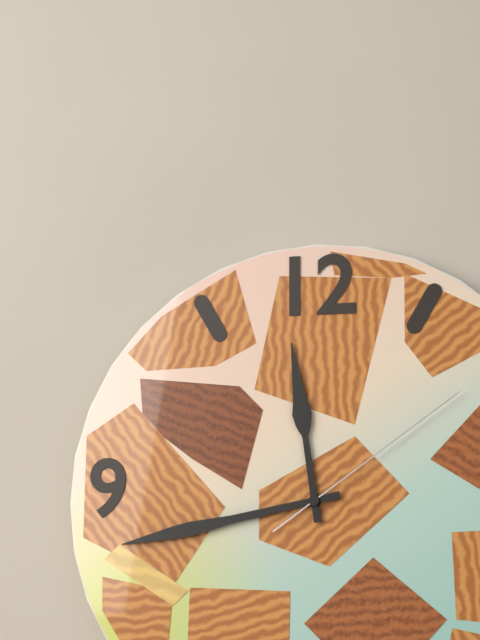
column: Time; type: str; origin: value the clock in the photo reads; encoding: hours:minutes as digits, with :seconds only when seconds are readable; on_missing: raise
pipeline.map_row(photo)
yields 11:43:09
